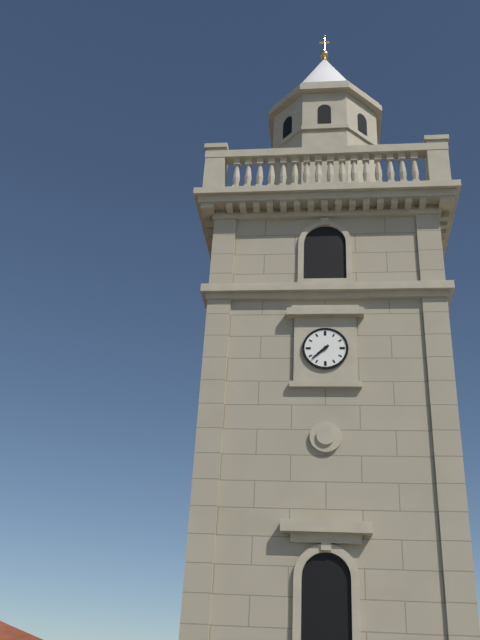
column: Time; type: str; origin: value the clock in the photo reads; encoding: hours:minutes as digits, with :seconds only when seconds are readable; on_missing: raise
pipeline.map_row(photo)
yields 7:38
